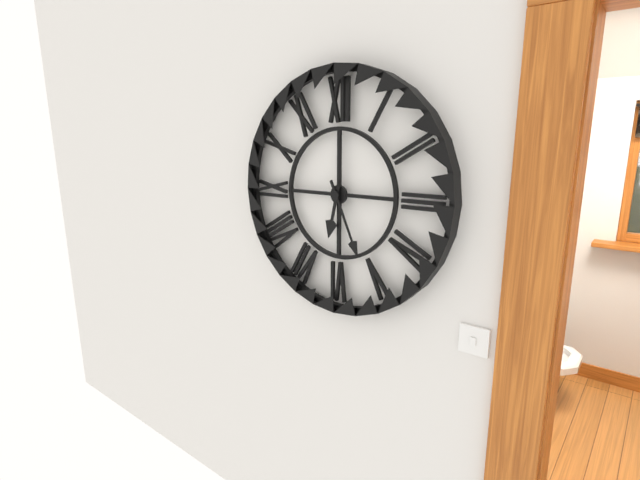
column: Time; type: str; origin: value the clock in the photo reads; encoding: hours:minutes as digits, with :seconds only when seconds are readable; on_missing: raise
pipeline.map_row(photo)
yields 6:26
